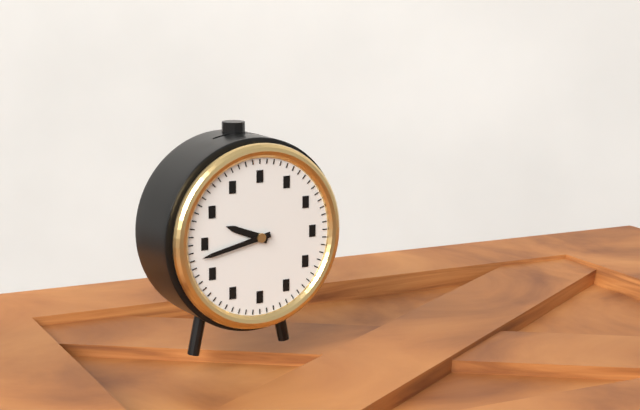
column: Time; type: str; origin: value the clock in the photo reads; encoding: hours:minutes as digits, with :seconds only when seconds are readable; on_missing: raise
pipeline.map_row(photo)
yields 9:43
